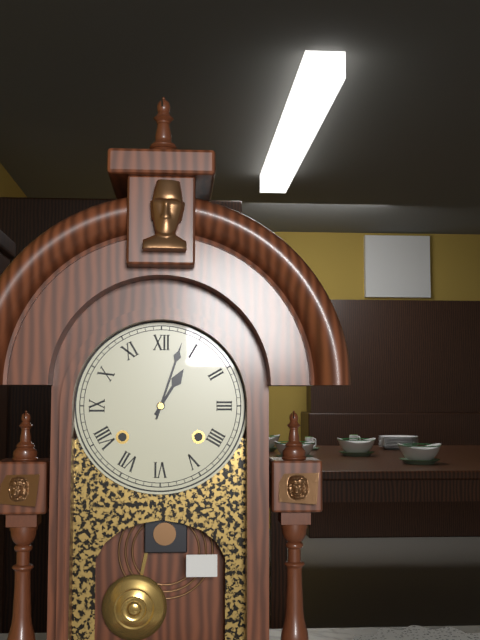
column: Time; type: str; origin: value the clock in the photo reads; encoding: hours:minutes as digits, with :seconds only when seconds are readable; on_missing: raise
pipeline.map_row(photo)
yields 1:03
